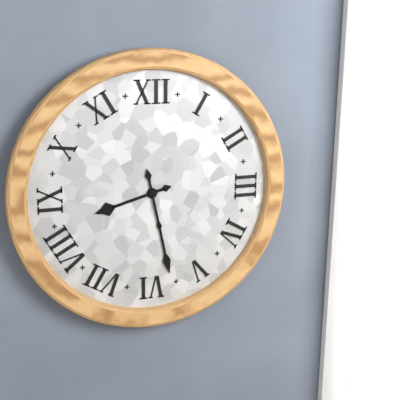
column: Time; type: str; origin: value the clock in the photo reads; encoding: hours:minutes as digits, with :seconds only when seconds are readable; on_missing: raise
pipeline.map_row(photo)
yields 8:28
